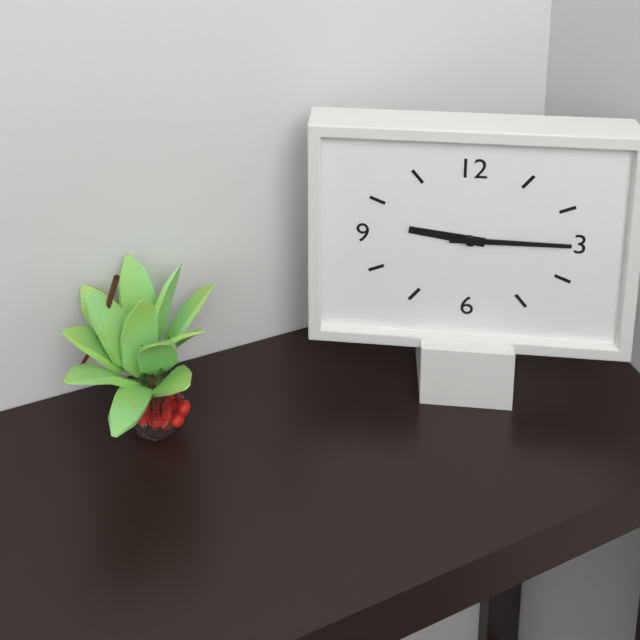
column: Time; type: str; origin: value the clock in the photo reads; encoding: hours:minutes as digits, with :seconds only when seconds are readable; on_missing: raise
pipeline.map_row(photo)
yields 9:15
